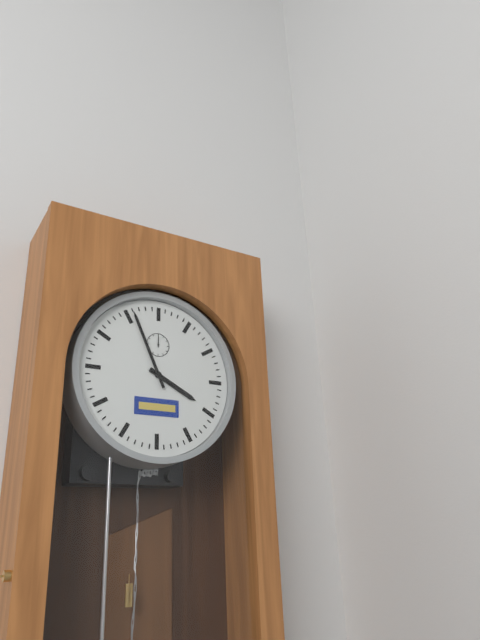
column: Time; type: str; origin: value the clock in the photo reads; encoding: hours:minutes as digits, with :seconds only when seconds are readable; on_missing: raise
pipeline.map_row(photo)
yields 3:56
